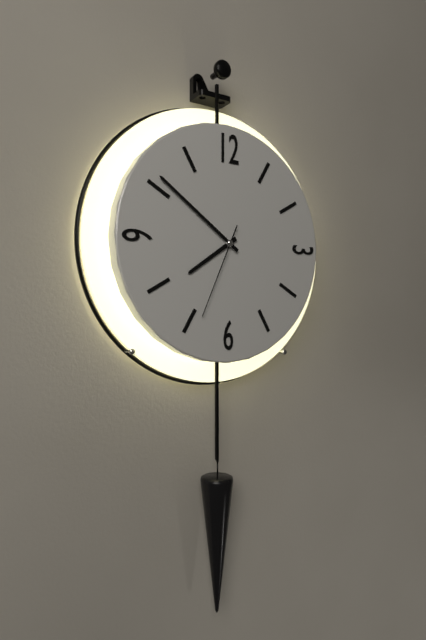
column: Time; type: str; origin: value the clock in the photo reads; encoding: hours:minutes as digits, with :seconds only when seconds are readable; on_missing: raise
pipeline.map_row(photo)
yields 7:51:34
